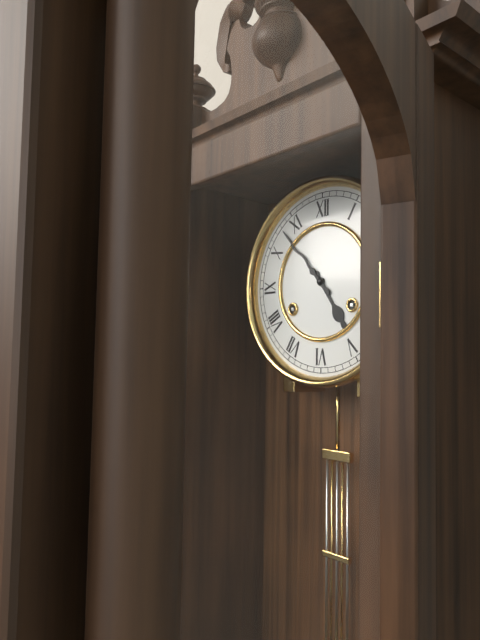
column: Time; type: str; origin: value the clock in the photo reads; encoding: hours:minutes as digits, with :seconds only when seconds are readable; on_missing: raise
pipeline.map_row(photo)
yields 4:53
